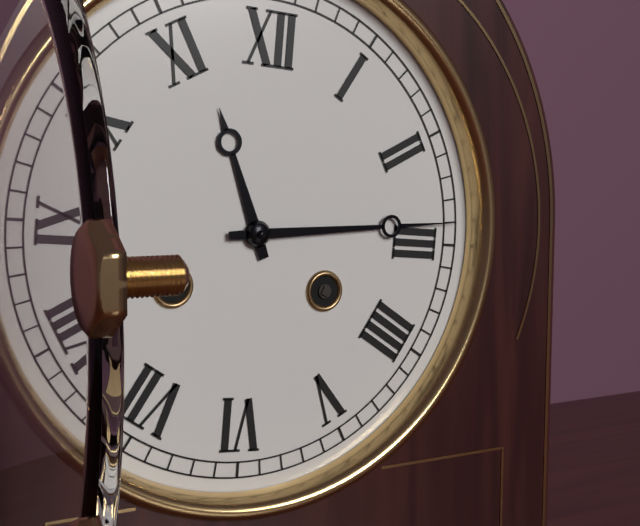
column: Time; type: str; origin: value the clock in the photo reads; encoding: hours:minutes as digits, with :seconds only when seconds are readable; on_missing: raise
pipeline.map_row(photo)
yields 11:14
